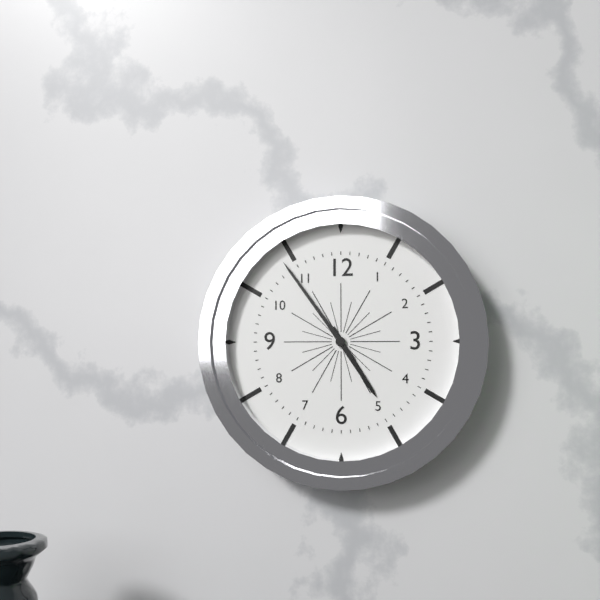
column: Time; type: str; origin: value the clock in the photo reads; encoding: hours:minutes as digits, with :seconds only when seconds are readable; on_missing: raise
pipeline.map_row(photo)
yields 4:54
